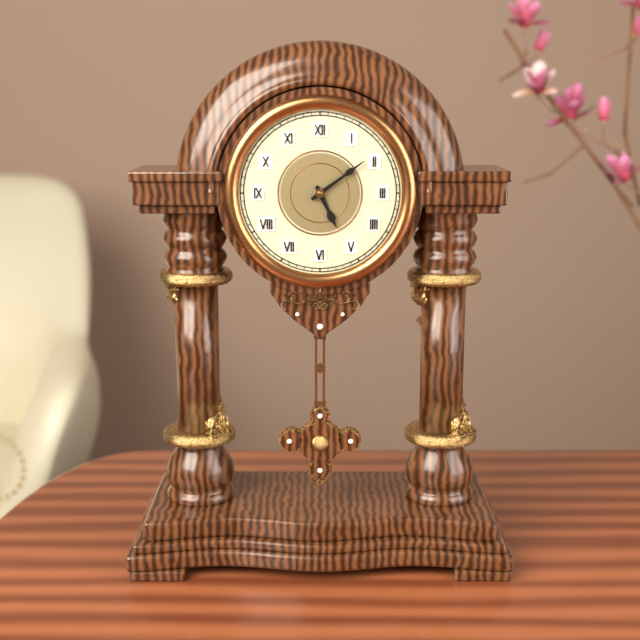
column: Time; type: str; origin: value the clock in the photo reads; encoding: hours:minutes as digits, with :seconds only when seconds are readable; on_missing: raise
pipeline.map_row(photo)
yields 5:09
